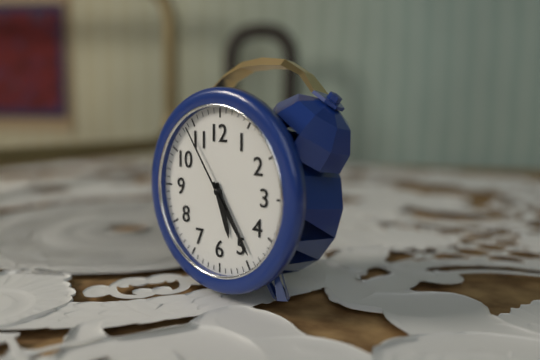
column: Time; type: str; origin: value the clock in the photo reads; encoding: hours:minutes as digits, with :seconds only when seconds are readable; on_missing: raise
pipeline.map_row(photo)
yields 5:24:54
